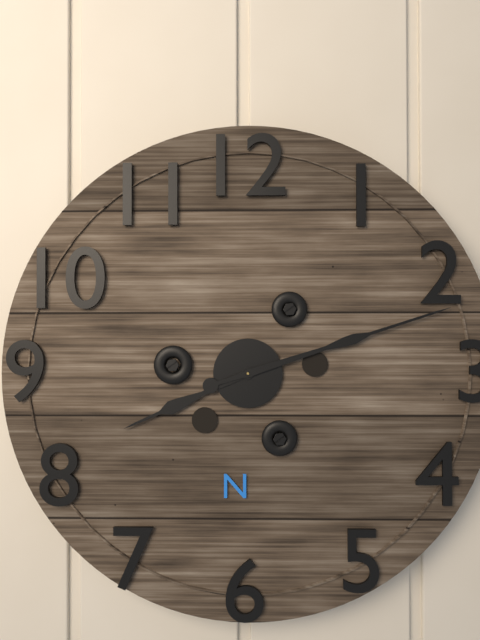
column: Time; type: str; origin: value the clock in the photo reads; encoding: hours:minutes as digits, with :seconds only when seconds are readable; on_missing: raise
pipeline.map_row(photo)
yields 8:12
